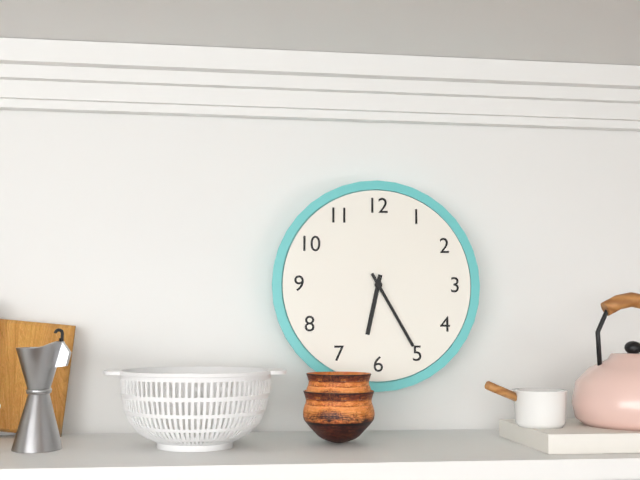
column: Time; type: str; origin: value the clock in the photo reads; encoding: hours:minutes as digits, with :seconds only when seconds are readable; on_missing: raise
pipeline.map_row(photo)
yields 6:25
